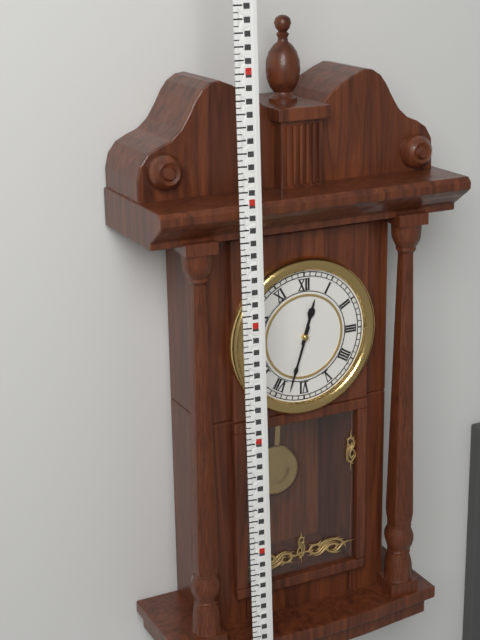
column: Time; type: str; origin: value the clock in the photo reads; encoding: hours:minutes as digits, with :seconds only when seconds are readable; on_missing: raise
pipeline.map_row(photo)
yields 12:33
